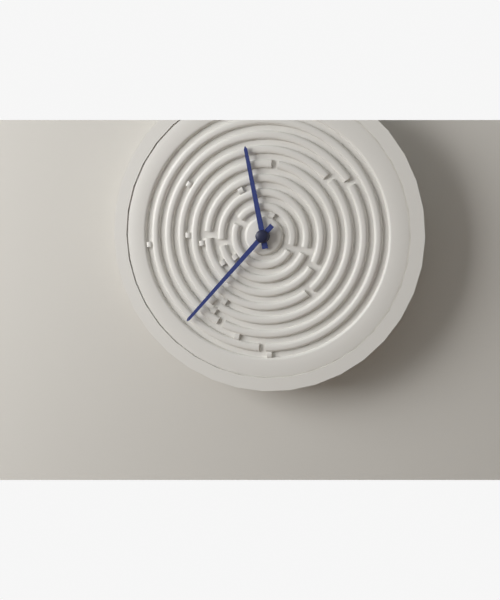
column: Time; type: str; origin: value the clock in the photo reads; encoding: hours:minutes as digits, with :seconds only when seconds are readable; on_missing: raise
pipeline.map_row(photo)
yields 11:37
